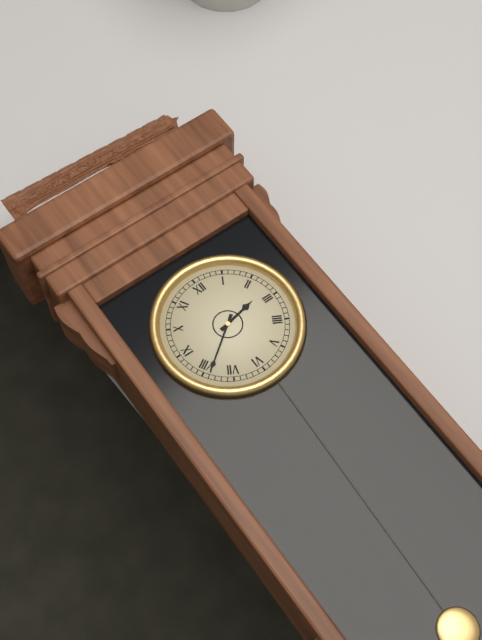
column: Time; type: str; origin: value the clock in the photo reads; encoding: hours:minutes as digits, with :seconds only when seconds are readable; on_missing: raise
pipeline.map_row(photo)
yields 2:39
